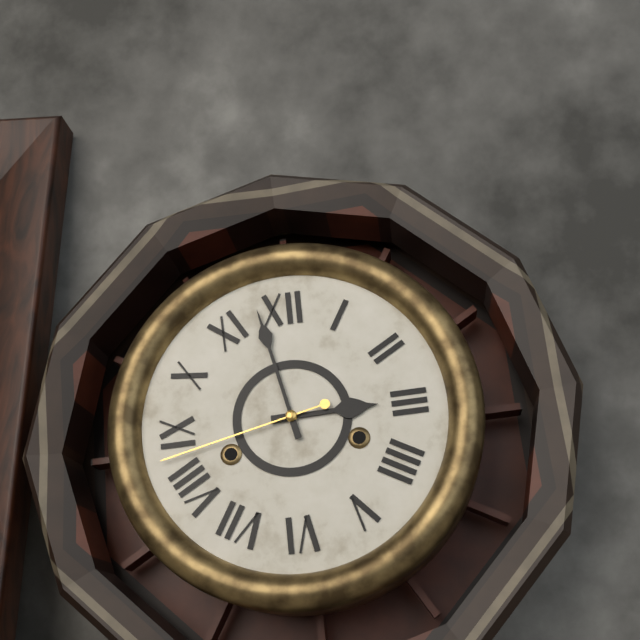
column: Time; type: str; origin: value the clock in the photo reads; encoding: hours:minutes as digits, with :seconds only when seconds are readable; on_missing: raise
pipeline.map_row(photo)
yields 2:58:43
